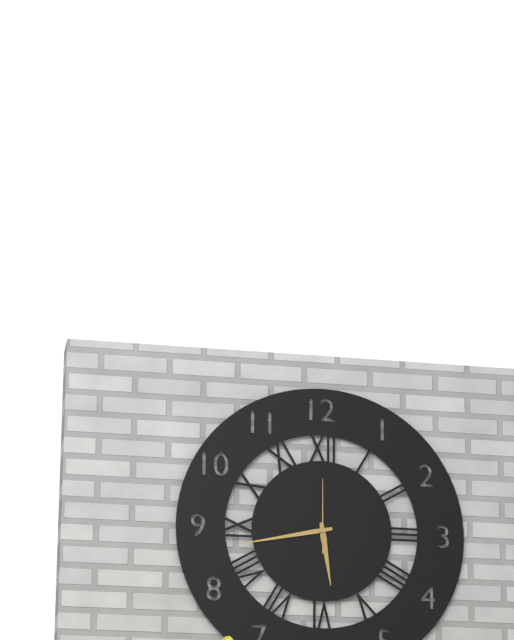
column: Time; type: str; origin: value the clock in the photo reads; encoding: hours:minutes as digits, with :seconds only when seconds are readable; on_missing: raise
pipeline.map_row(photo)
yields 5:43:00
